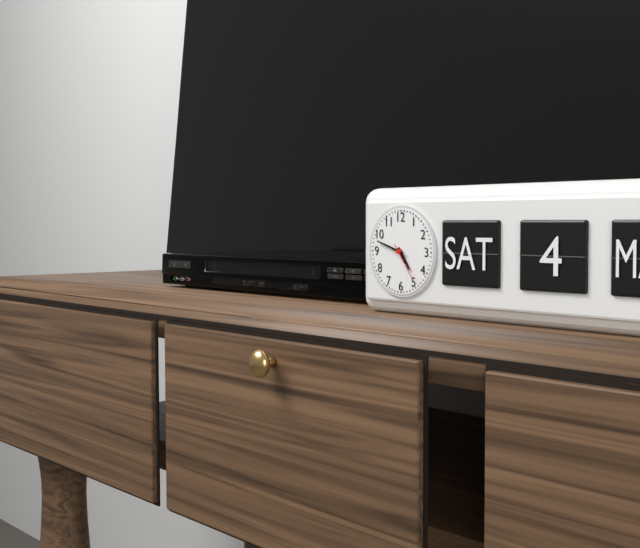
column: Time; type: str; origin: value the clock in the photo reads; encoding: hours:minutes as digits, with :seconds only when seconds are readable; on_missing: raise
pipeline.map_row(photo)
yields 4:48
